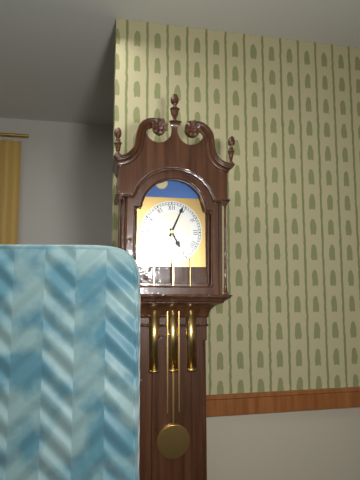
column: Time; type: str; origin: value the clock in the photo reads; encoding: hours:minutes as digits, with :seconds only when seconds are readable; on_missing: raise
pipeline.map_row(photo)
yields 5:04
